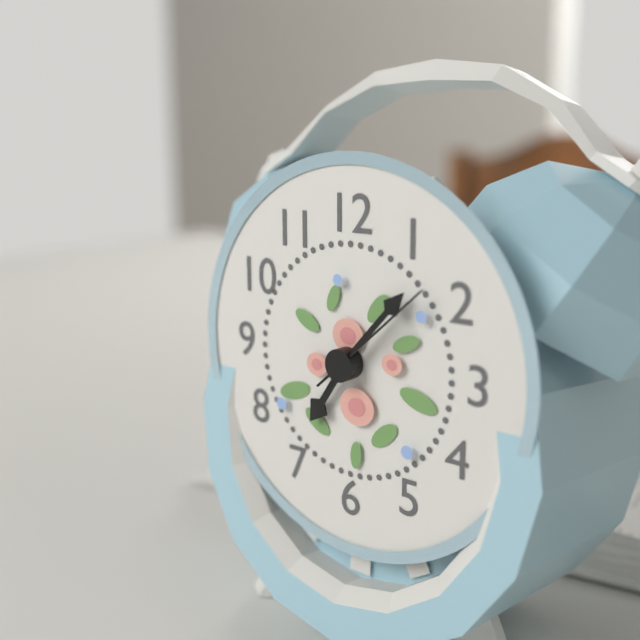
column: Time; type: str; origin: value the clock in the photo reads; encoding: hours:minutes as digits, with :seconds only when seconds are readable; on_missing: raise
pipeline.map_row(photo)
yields 7:07:08
